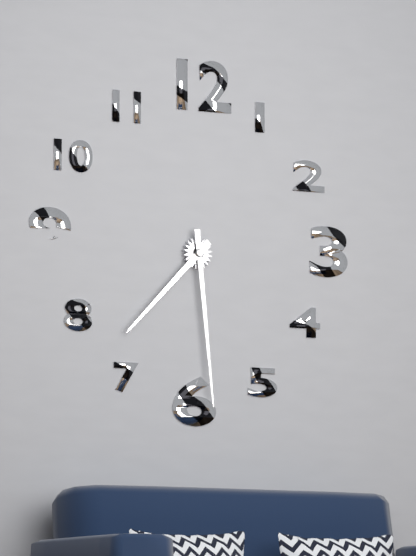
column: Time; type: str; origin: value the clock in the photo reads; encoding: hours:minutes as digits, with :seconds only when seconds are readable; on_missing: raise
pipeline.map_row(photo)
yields 7:29
